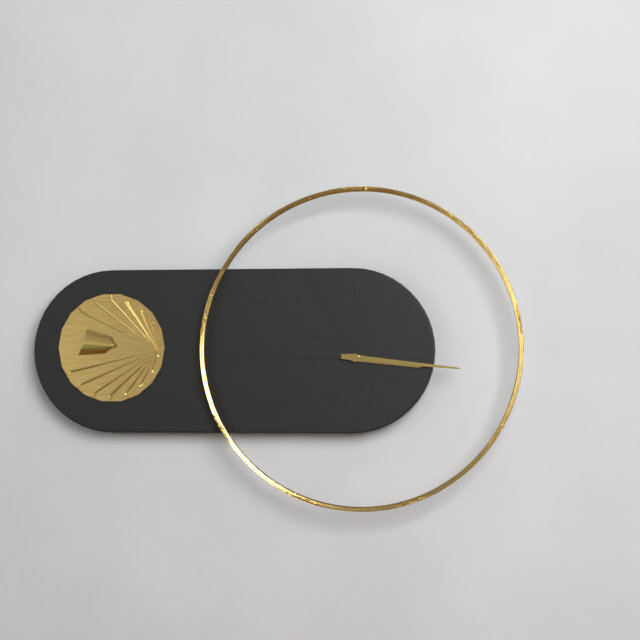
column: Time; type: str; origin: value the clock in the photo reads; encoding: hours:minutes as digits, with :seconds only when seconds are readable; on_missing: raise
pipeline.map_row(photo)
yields 3:16
